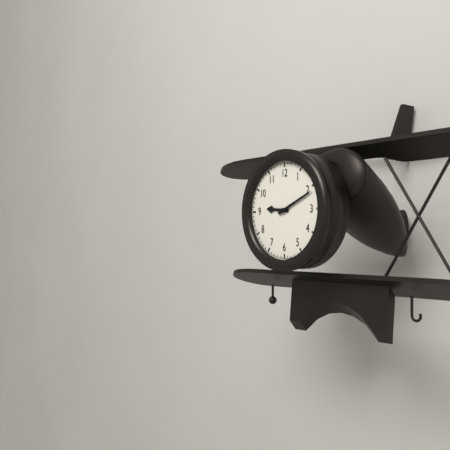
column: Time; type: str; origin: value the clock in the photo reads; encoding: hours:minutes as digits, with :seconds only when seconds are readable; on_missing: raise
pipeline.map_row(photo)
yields 9:11
